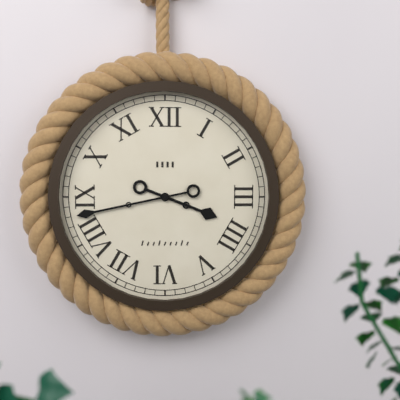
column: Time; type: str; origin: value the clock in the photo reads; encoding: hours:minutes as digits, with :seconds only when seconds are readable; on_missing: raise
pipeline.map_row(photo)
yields 3:43
